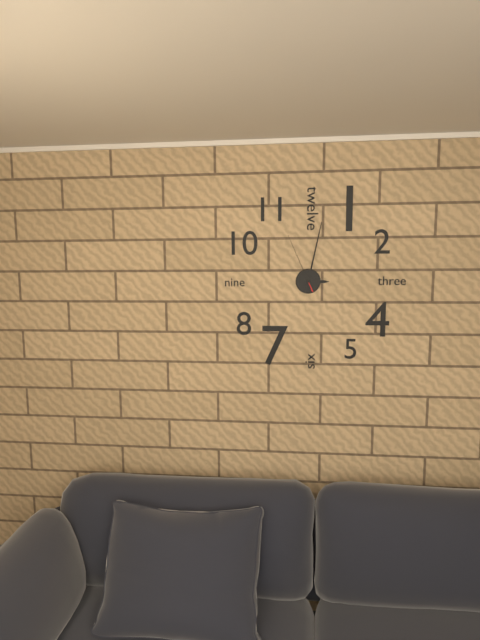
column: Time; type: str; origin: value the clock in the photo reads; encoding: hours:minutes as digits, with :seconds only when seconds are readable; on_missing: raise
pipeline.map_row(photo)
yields 3:02:56
